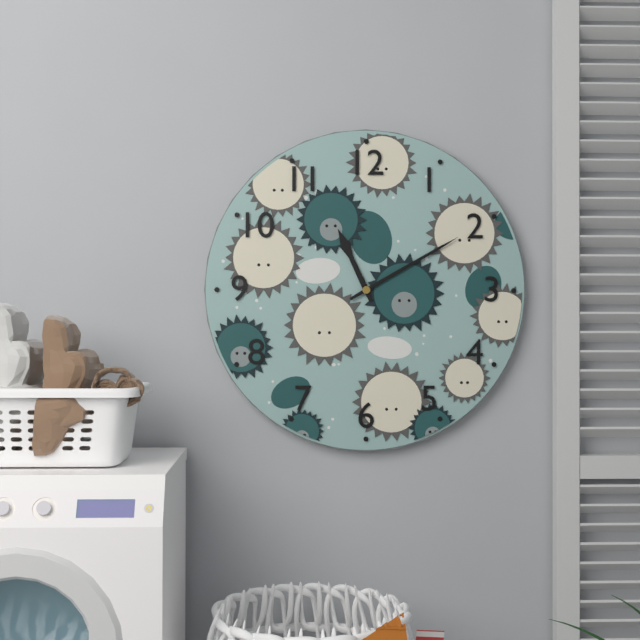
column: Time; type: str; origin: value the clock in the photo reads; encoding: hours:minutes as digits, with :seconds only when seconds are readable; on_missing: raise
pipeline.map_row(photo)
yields 11:10
